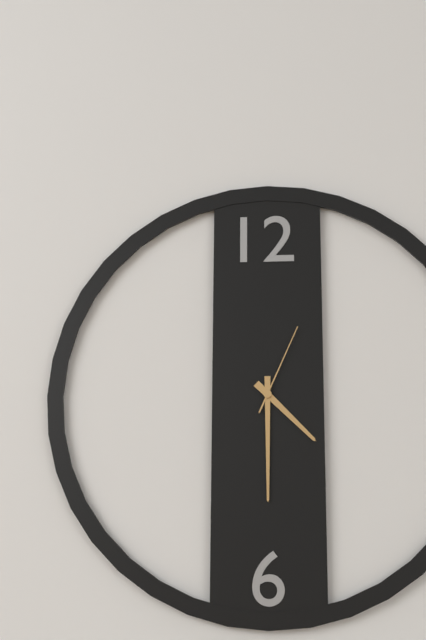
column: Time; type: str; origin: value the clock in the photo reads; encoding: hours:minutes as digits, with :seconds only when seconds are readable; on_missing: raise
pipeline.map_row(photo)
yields 4:30:04
